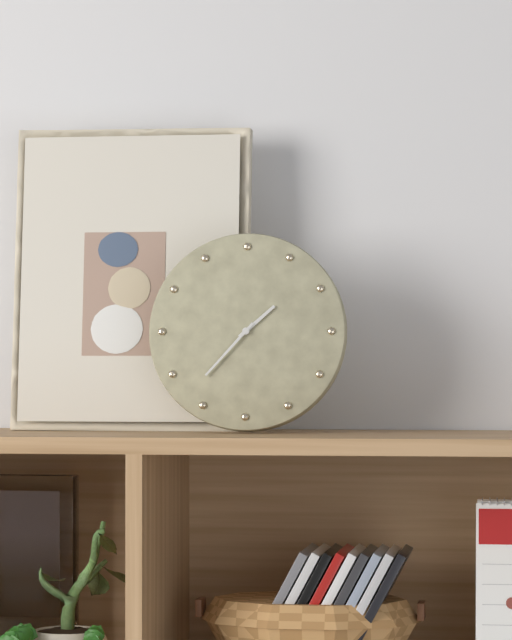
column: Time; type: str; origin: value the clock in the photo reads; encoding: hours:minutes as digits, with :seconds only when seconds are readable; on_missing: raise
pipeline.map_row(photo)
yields 1:37
